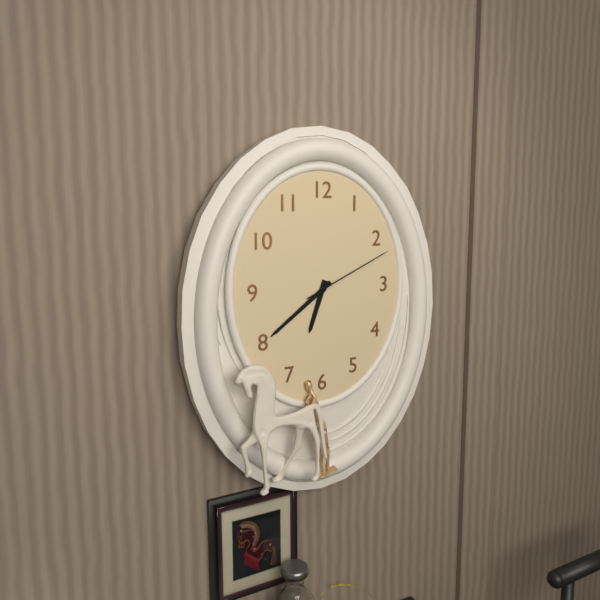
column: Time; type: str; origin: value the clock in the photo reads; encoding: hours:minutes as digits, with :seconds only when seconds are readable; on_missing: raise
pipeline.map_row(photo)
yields 6:39:11
